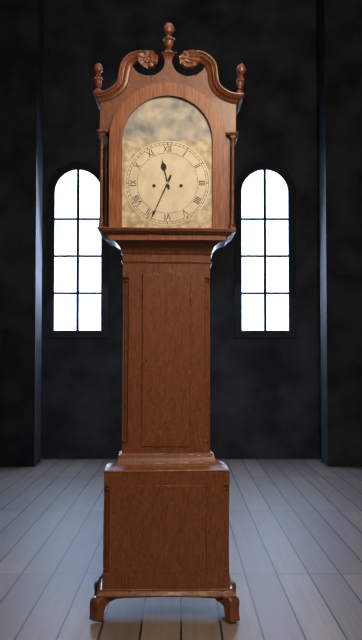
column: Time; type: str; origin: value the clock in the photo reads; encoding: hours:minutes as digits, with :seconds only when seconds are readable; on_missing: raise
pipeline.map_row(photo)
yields 11:34
